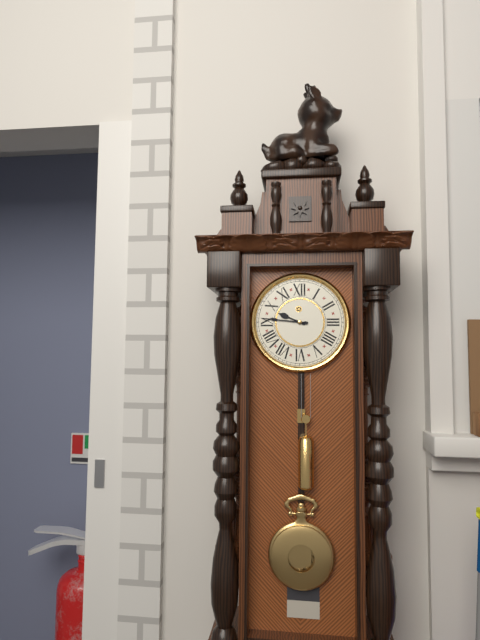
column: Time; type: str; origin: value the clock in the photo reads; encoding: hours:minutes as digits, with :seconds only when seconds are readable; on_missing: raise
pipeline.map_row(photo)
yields 9:46
